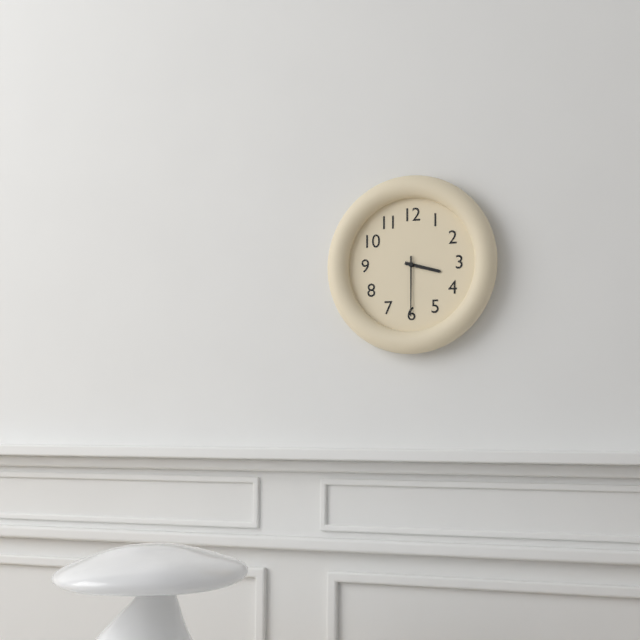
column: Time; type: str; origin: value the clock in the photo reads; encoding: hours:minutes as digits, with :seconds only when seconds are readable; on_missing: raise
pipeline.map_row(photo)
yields 3:30
